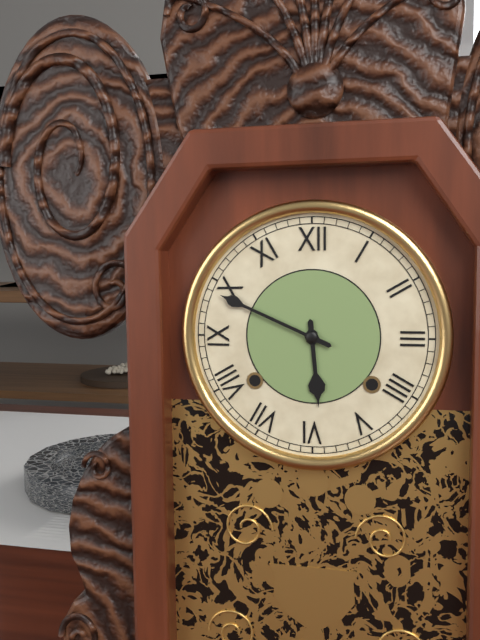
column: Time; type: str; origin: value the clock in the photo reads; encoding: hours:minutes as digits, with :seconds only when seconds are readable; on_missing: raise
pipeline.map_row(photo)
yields 5:49
